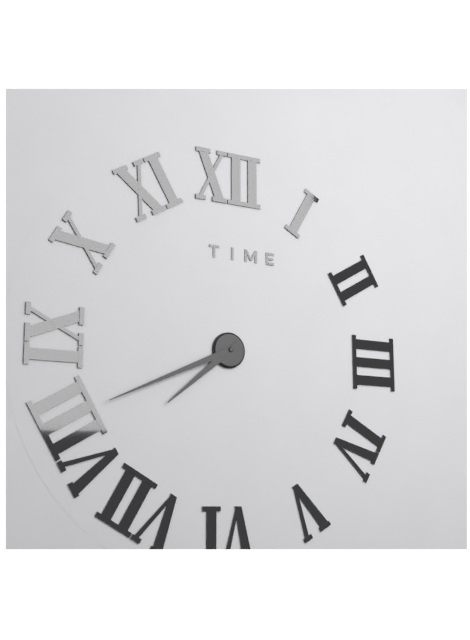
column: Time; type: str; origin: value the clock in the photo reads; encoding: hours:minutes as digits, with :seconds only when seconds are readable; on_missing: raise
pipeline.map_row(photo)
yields 7:41
